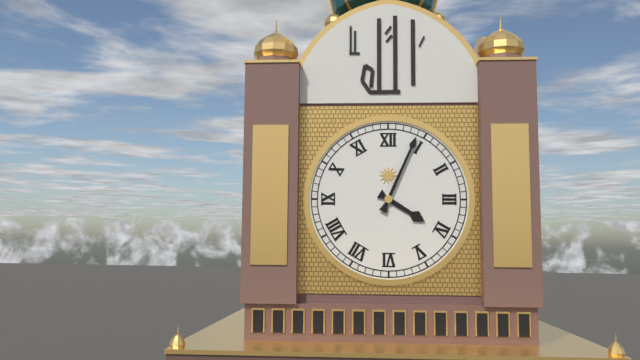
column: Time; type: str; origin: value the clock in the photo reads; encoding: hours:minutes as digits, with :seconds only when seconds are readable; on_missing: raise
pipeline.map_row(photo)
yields 4:04
